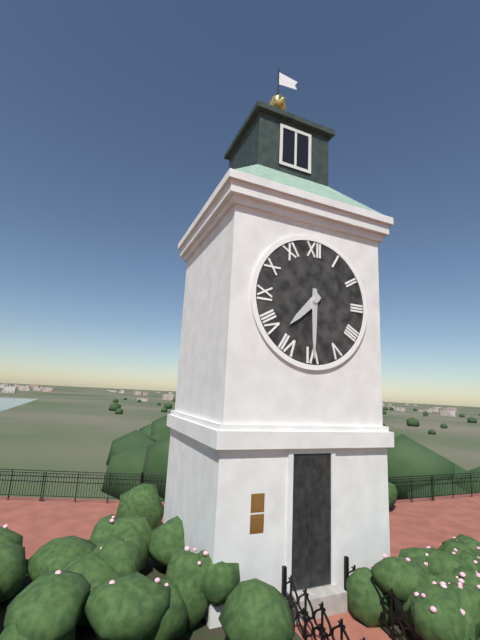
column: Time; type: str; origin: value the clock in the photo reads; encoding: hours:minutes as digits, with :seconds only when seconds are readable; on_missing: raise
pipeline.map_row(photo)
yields 7:30
